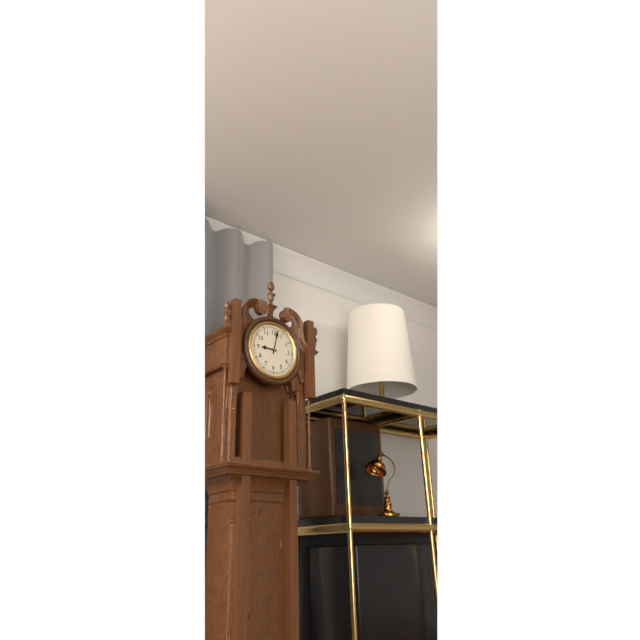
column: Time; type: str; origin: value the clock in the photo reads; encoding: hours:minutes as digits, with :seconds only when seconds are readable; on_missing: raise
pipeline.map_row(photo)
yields 9:02
